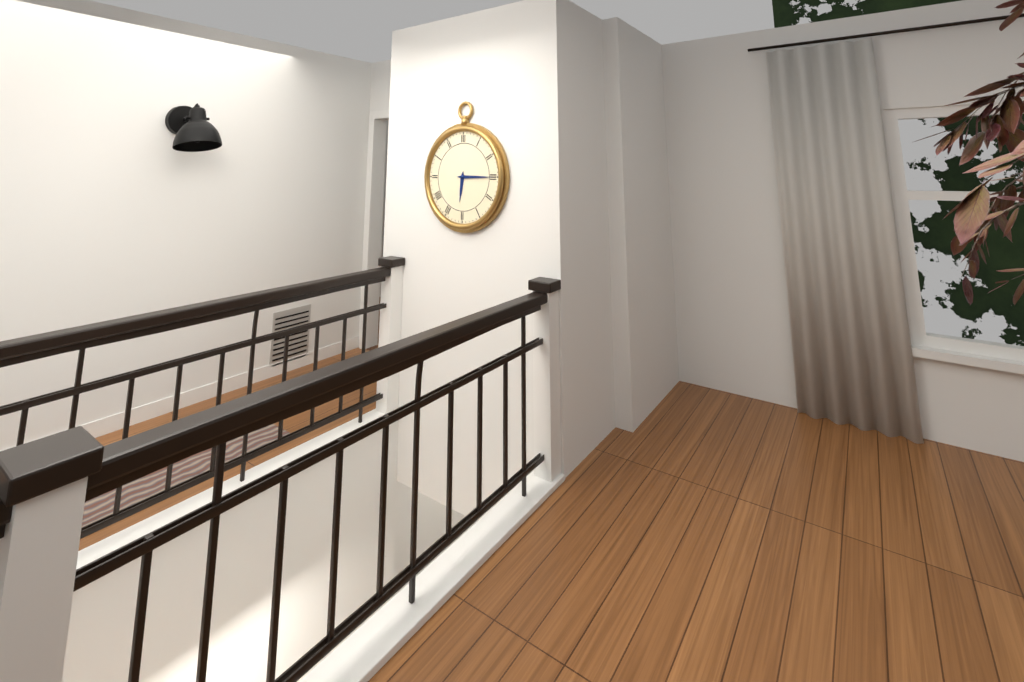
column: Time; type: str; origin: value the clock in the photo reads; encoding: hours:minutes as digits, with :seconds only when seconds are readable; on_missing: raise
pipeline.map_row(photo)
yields 6:15
